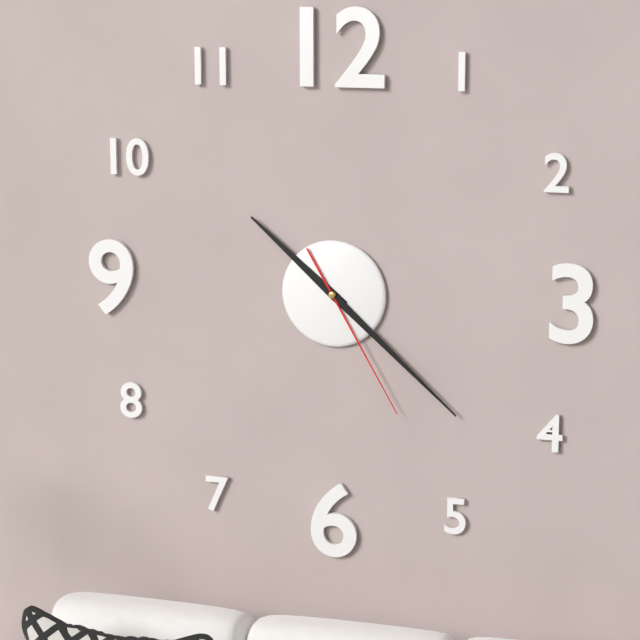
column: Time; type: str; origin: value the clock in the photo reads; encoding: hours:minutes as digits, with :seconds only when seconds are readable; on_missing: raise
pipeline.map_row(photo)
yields 10:22:25
